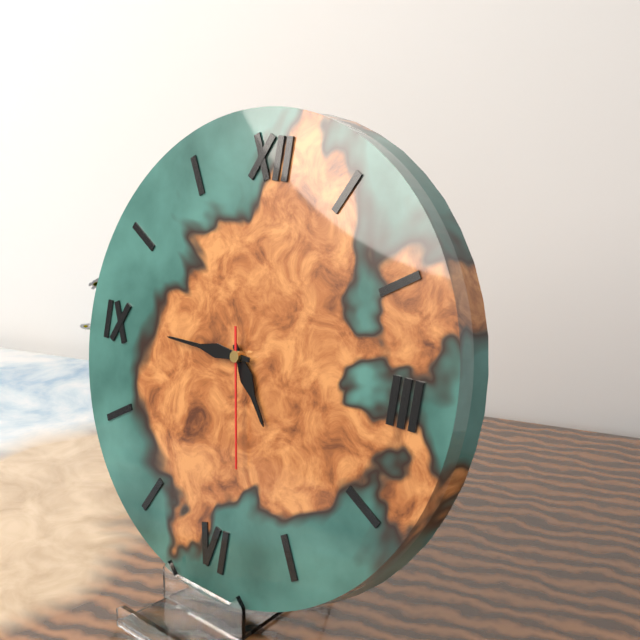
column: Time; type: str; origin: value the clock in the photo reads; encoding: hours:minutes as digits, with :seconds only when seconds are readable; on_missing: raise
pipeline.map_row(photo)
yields 4:45:28
